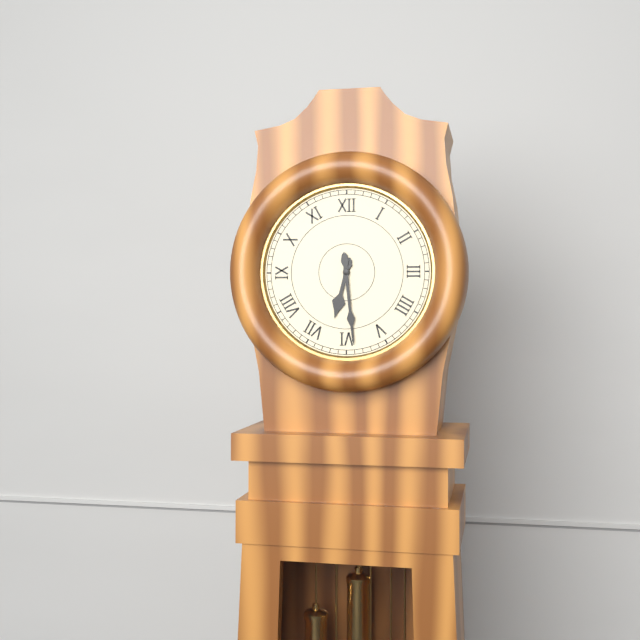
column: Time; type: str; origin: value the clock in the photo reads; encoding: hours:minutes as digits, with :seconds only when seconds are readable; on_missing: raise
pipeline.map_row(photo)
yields 6:29
